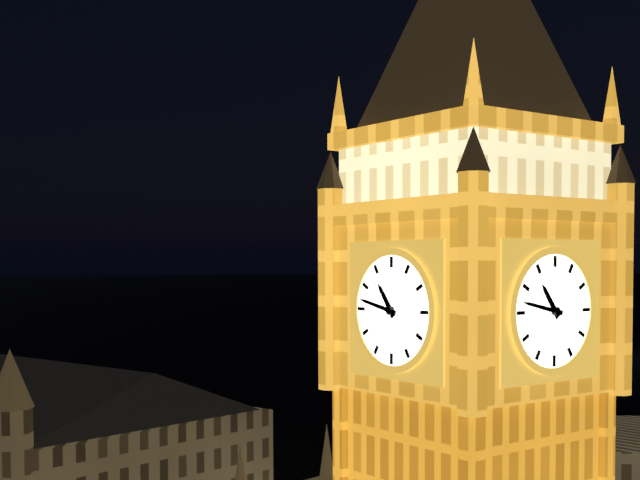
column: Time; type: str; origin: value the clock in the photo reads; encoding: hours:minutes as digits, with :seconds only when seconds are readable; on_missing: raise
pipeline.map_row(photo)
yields 10:47
